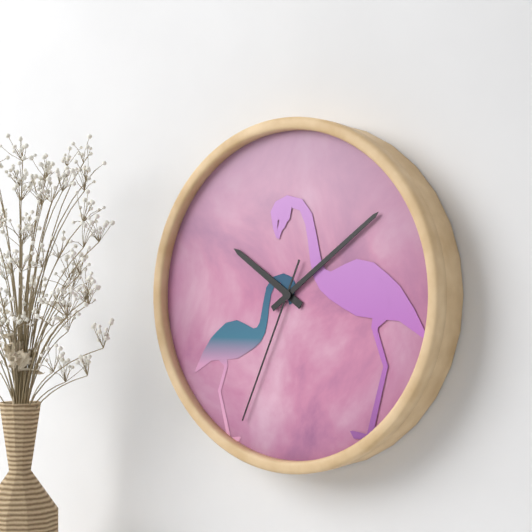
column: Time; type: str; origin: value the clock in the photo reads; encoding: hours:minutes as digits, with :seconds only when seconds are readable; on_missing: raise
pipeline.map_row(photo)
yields 10:09:34
